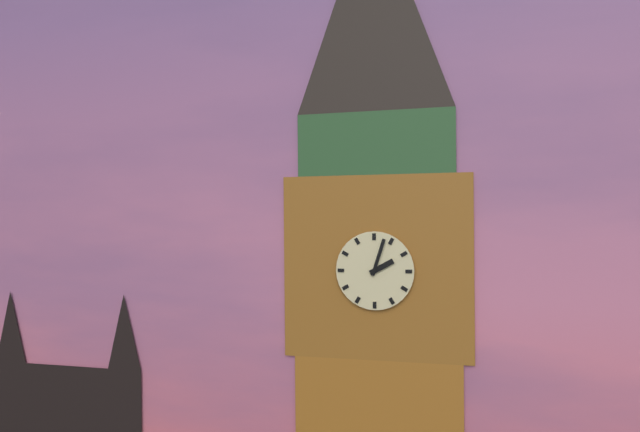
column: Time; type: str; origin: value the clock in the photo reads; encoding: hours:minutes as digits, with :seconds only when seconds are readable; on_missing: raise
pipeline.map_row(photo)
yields 2:03
